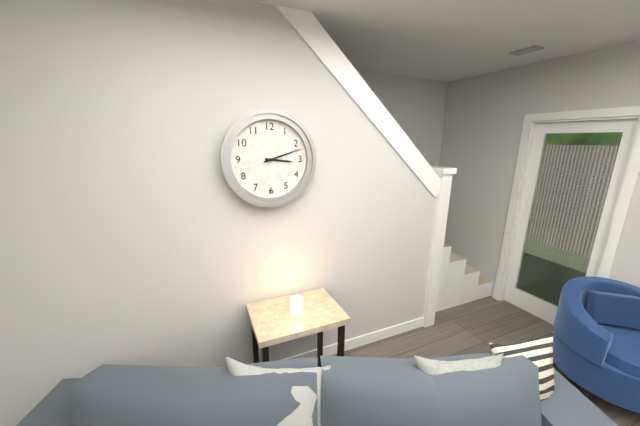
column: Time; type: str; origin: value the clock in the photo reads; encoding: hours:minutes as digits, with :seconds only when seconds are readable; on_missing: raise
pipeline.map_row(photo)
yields 3:12
